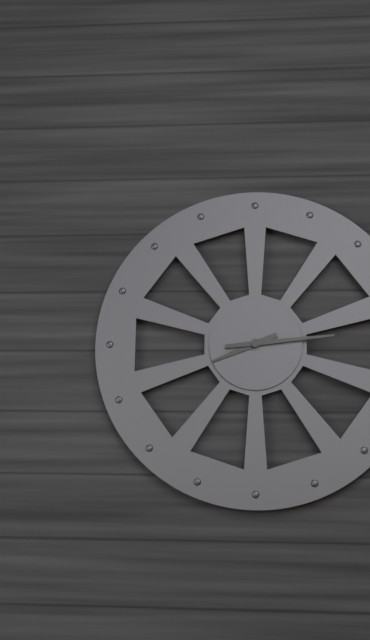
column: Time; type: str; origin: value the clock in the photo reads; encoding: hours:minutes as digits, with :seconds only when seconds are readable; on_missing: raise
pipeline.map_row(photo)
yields 8:14
